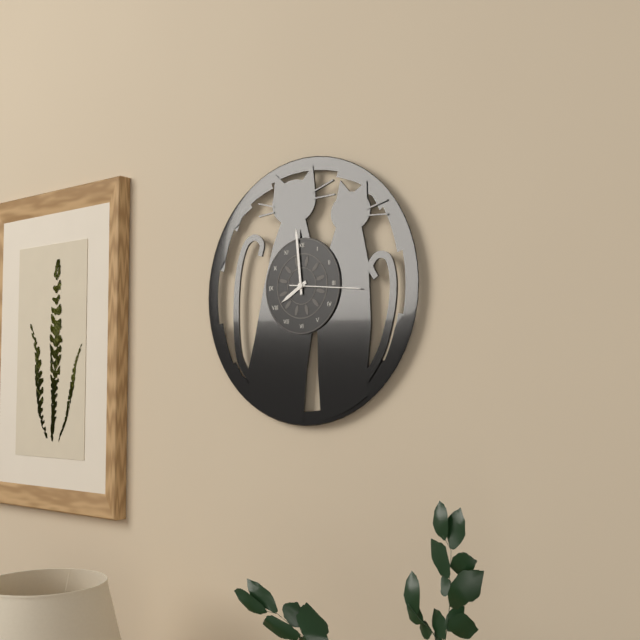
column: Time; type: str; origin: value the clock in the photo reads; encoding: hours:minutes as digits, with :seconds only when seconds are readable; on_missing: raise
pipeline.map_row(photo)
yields 7:59:16
